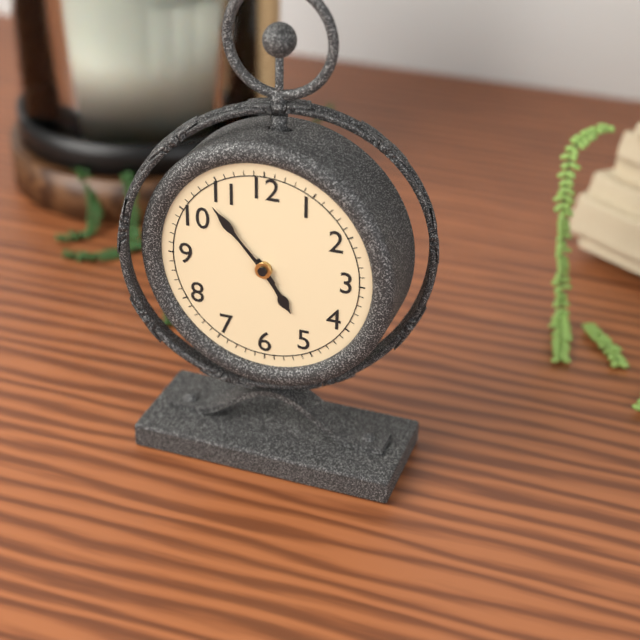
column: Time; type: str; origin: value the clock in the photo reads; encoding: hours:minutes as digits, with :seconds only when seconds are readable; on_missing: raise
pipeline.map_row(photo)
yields 4:53
